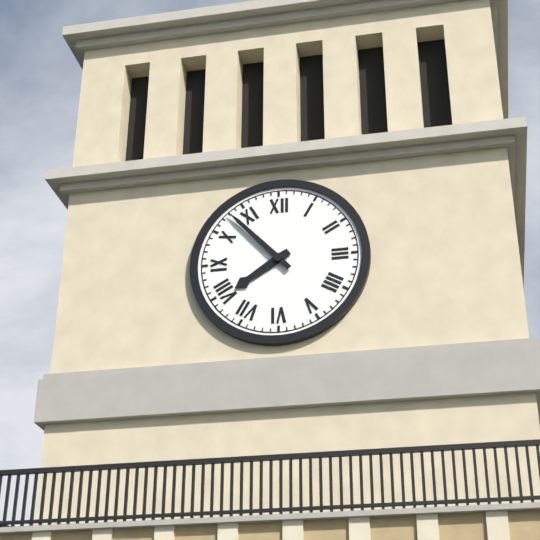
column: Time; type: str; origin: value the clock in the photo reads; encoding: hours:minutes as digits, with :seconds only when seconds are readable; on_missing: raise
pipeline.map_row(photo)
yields 7:53
